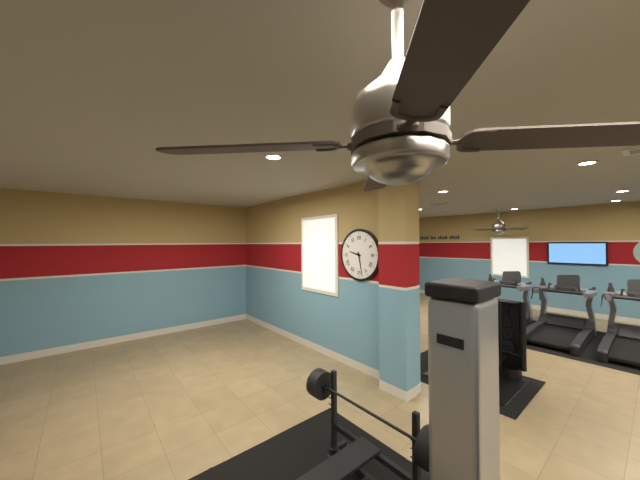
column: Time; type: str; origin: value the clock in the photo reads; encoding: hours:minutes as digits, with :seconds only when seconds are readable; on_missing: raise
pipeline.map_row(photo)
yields 9:28
